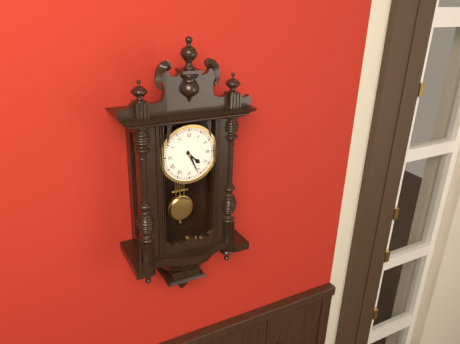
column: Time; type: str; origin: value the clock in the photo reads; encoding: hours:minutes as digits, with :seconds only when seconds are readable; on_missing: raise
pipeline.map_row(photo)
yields 4:26
